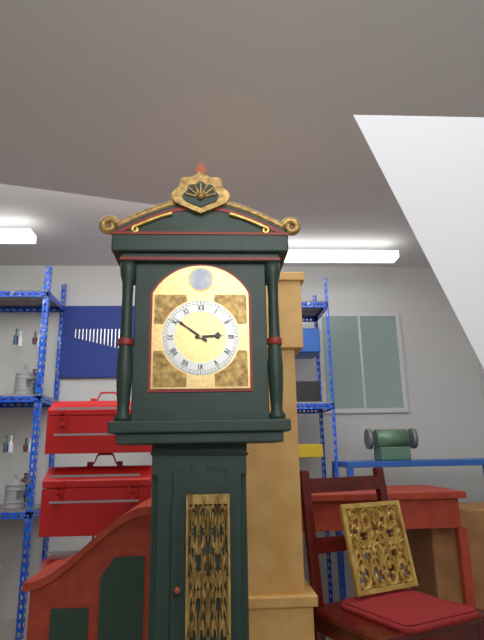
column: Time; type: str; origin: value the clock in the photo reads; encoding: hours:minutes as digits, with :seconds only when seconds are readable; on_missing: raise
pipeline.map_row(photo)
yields 2:51
